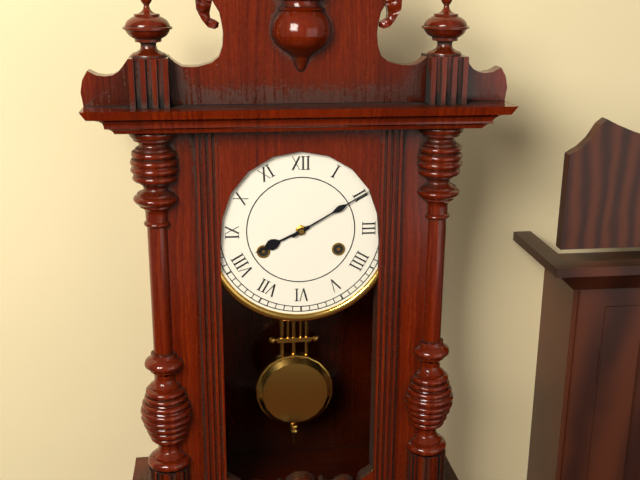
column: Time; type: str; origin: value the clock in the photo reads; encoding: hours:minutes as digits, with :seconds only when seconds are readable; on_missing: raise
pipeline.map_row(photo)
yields 8:10
